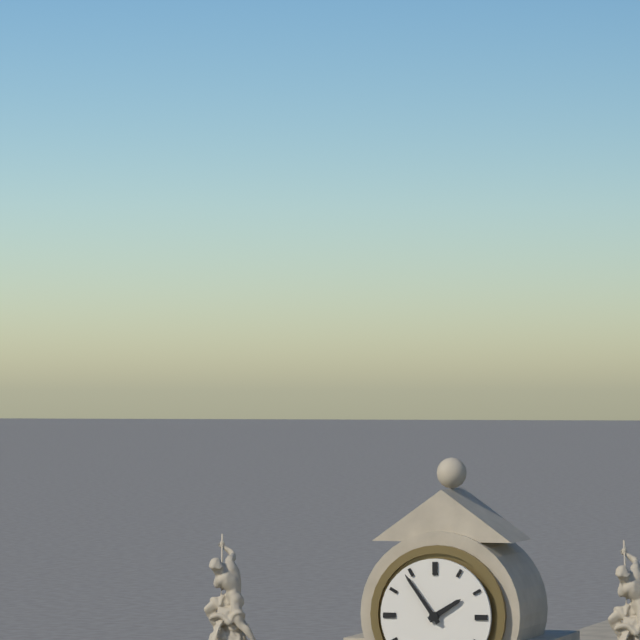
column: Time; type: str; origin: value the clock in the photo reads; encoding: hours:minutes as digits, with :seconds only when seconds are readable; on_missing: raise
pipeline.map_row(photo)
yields 1:54
